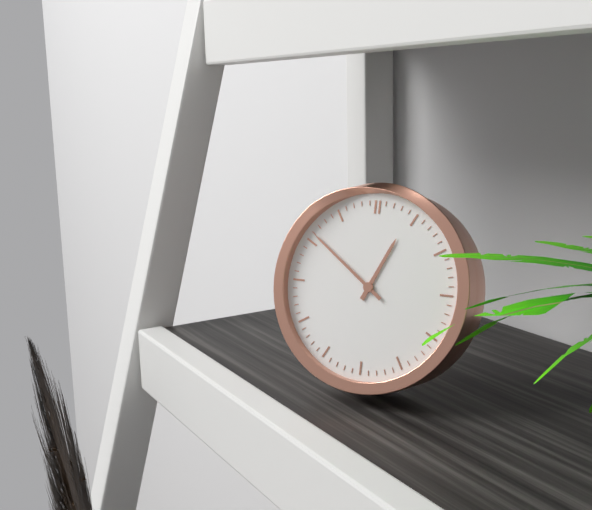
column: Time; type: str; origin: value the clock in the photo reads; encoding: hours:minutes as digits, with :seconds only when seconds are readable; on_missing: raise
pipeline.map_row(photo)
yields 12:51
